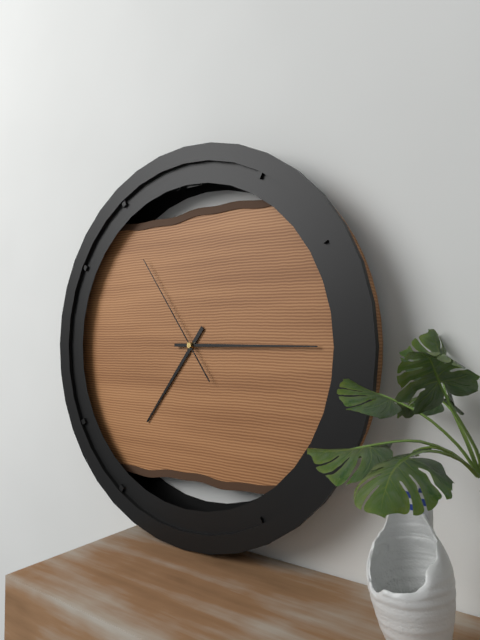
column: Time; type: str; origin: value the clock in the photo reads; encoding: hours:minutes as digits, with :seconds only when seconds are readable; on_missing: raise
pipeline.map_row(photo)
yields 7:15:54
